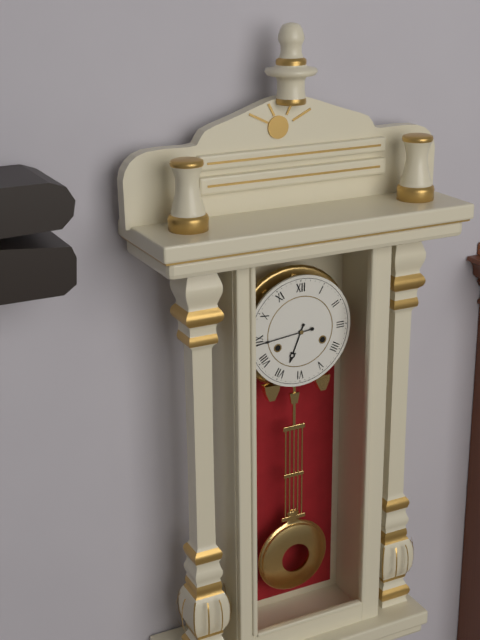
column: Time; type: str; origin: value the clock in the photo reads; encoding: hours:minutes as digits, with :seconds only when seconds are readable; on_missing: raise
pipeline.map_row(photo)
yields 6:44
